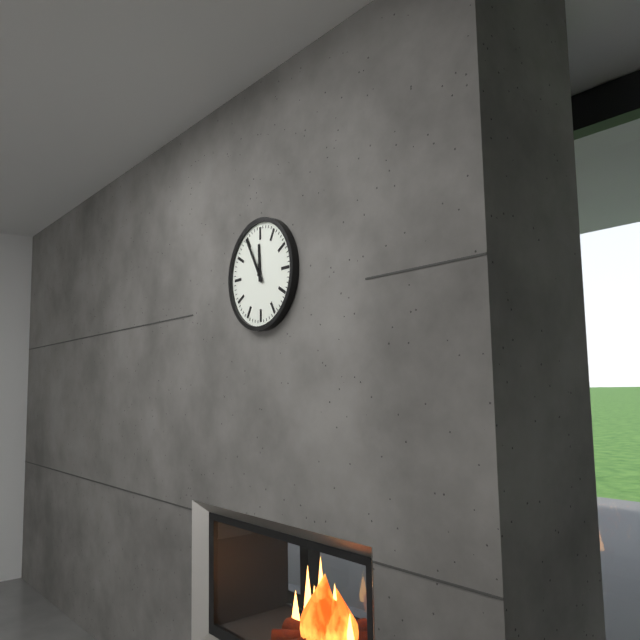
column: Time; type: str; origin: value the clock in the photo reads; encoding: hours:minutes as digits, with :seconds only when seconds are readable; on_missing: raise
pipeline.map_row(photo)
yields 11:55
